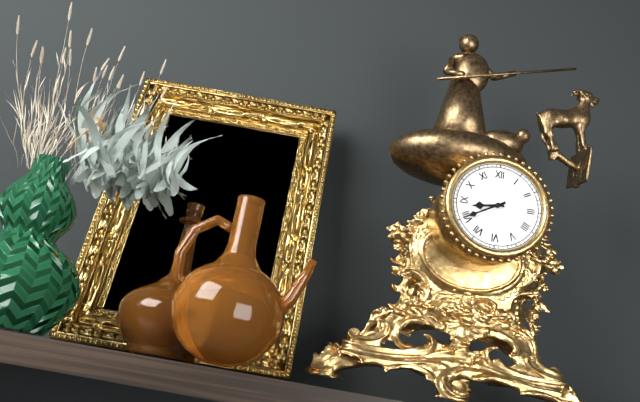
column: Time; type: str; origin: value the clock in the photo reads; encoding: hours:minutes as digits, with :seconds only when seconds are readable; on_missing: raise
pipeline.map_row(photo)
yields 8:40
